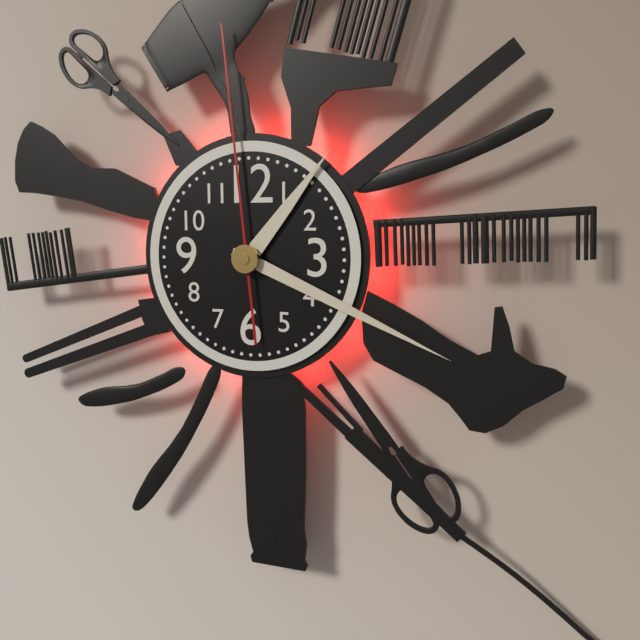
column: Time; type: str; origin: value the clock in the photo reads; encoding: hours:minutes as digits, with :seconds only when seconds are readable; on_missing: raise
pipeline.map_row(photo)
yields 1:19:59
